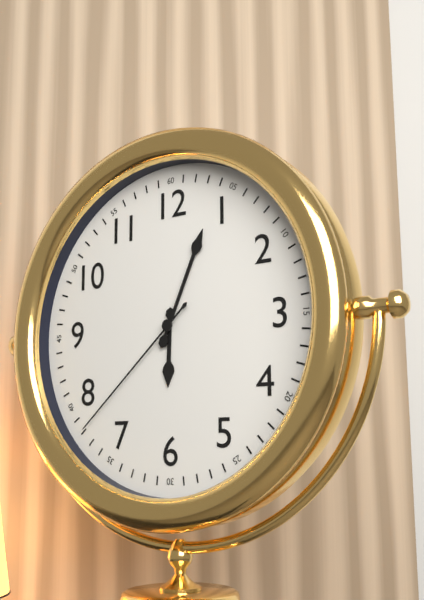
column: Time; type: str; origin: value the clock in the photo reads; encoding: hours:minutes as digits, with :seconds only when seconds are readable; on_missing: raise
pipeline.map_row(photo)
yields 6:04:38
